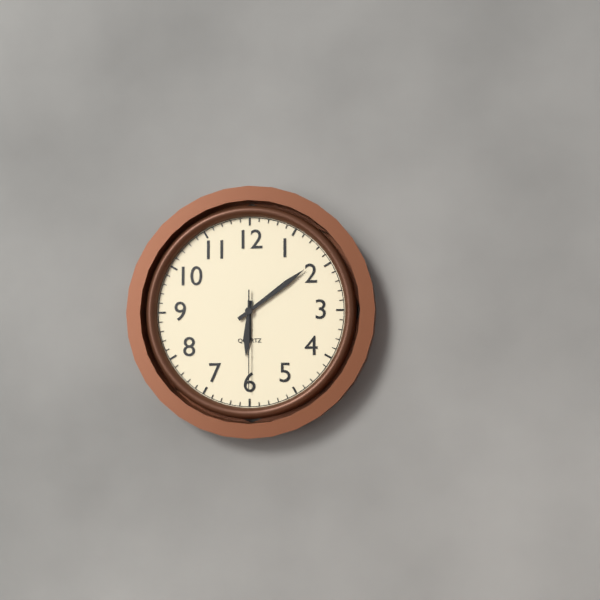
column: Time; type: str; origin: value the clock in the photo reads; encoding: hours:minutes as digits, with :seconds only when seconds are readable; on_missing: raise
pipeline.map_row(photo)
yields 6:09:30
